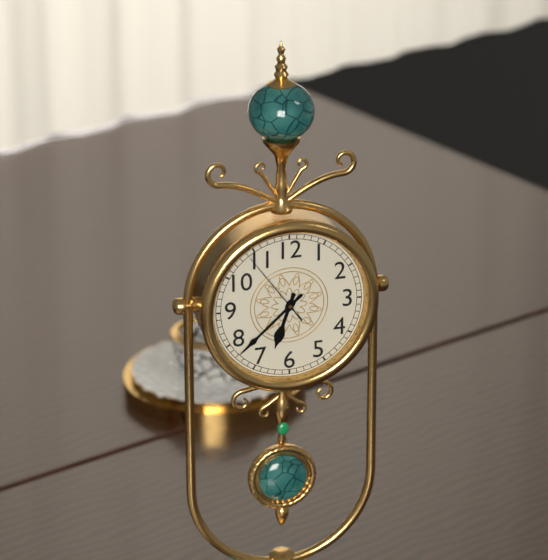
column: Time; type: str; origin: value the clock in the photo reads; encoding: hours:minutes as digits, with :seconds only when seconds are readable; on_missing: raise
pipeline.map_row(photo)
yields 6:38:54
